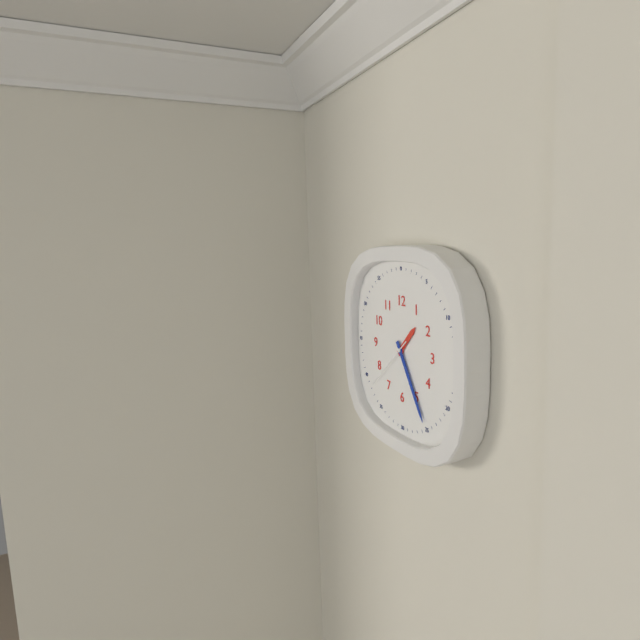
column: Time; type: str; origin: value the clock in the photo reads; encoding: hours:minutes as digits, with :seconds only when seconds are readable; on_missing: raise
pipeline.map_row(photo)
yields 1:25:38
